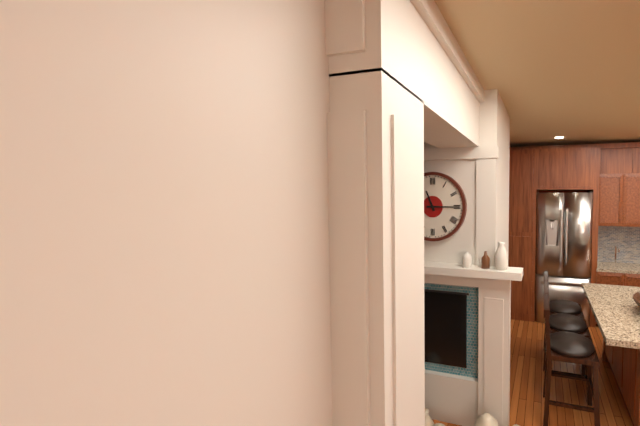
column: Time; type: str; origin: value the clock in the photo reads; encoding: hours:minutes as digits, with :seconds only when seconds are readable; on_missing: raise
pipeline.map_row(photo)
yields 11:15
